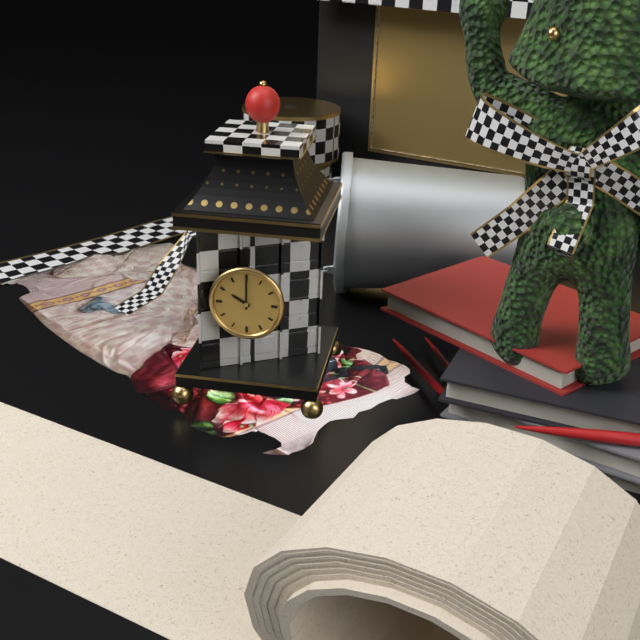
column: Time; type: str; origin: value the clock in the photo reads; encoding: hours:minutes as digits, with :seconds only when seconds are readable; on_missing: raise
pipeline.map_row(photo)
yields 10:00
